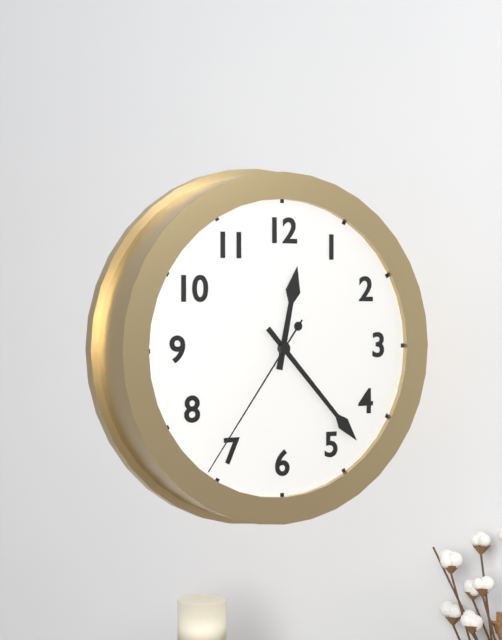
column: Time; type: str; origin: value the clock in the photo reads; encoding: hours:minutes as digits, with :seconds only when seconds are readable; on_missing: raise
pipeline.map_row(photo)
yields 12:23:36
